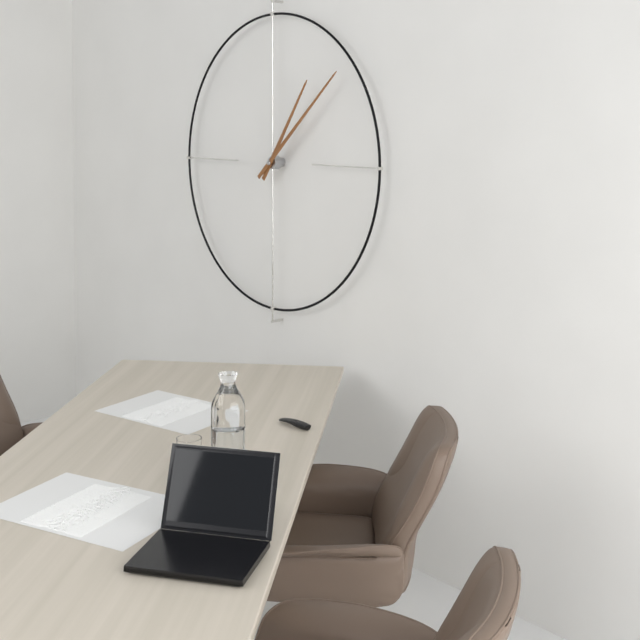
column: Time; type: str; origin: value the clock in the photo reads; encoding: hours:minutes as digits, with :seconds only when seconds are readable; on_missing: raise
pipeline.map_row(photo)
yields 1:08
